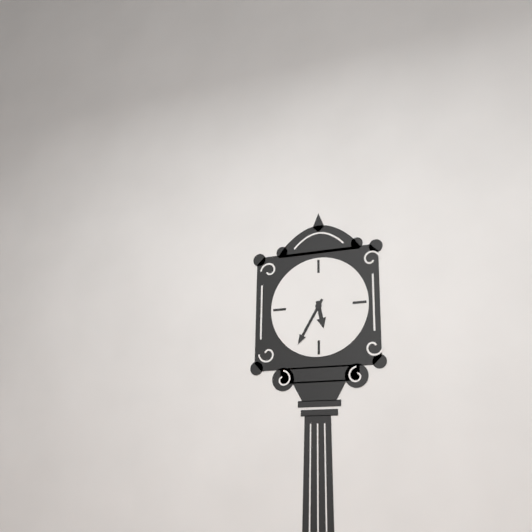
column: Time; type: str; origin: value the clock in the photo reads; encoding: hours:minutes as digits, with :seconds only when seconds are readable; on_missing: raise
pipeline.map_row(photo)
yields 5:35
